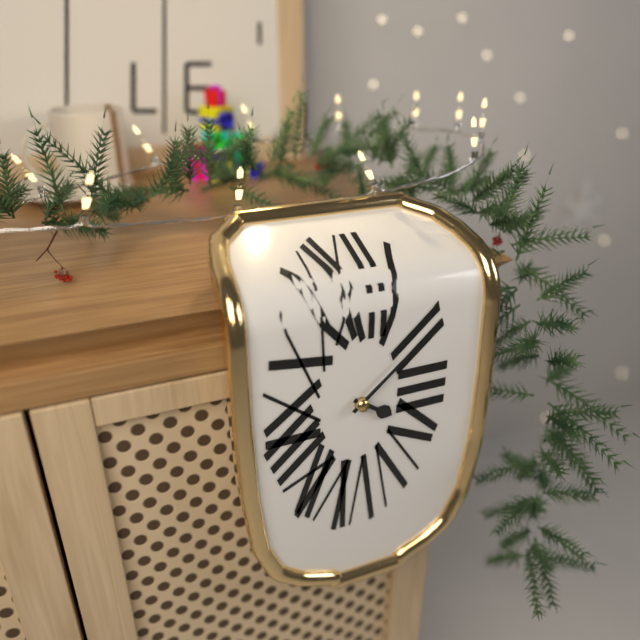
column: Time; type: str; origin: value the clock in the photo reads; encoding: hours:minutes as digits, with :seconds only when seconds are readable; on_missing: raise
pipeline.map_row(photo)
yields 4:08
